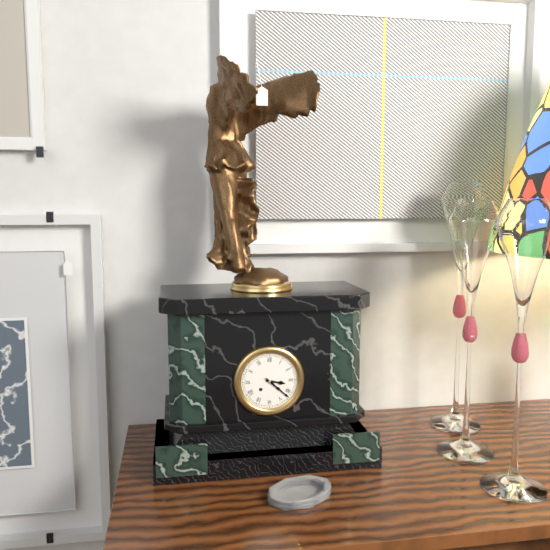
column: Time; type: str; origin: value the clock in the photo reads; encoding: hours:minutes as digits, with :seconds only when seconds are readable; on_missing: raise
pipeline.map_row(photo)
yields 3:22
